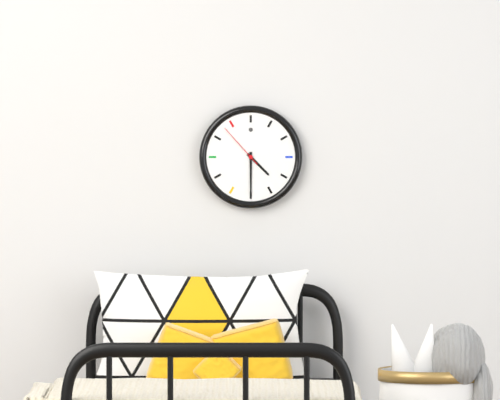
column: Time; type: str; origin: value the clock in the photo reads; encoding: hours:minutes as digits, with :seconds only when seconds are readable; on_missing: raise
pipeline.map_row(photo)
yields 4:30
